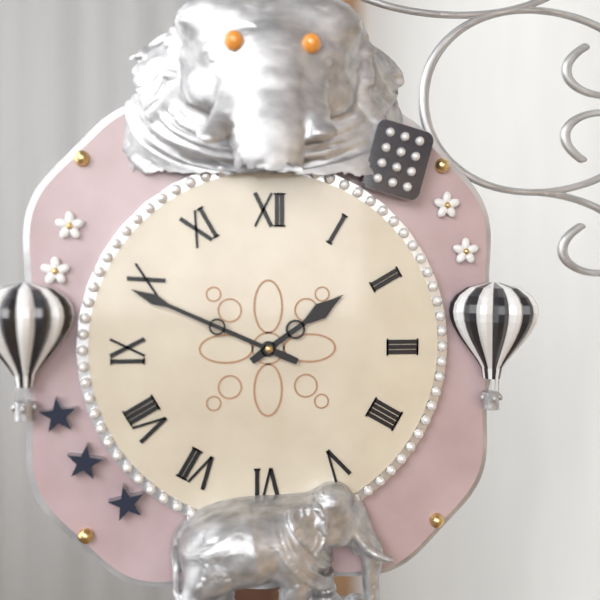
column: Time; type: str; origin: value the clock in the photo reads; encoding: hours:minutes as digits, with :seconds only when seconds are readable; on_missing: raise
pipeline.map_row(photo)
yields 1:49
